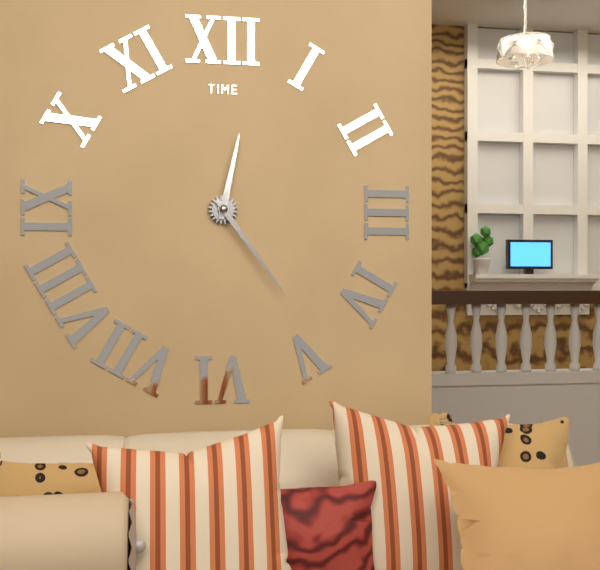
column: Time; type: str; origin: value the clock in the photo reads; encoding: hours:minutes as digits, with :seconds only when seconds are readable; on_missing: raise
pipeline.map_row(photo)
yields 12:24
